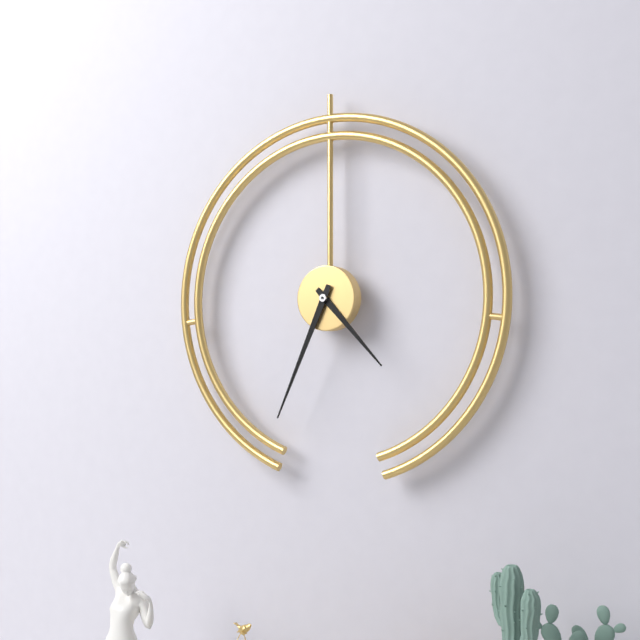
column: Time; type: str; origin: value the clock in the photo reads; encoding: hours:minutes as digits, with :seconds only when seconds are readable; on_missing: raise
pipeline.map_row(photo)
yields 4:34
